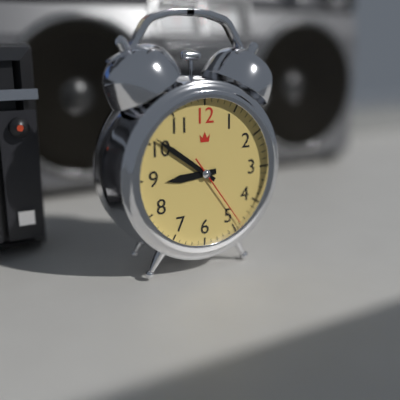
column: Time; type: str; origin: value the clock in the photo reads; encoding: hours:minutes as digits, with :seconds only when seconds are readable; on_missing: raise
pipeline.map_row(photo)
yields 8:51:24
